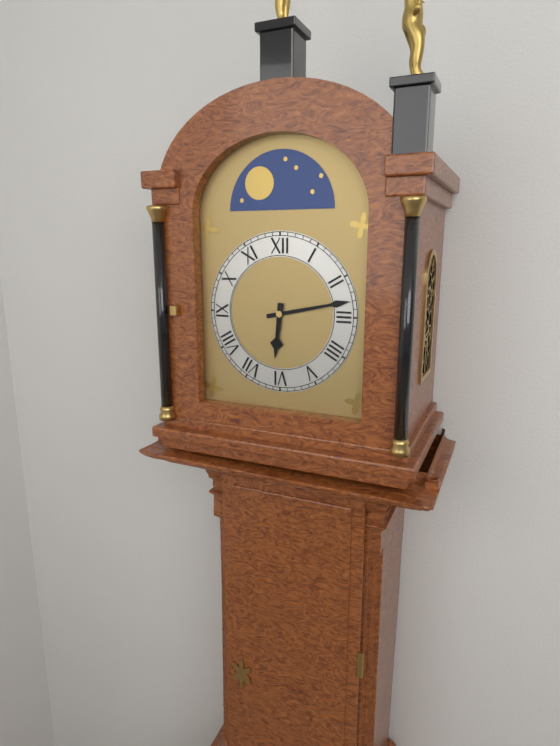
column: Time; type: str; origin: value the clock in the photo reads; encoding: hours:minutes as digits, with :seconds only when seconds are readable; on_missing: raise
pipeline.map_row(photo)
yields 6:13
